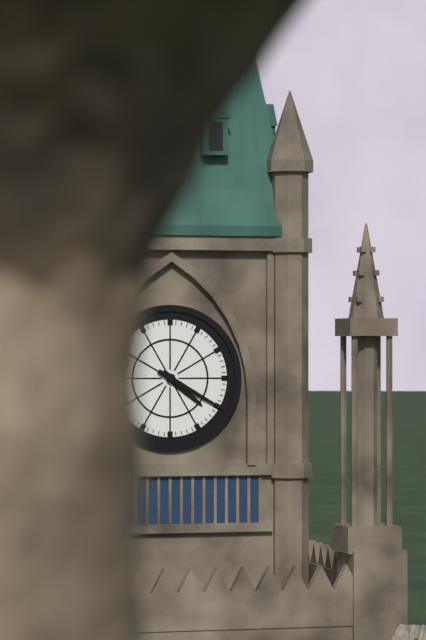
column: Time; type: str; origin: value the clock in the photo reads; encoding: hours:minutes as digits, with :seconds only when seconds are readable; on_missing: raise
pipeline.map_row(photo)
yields 4:20
